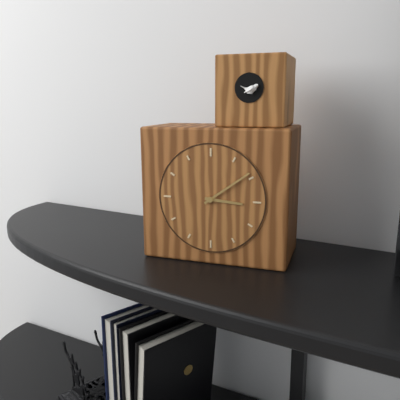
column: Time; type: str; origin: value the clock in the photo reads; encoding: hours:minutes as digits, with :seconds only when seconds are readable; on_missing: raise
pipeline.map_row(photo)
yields 3:09
